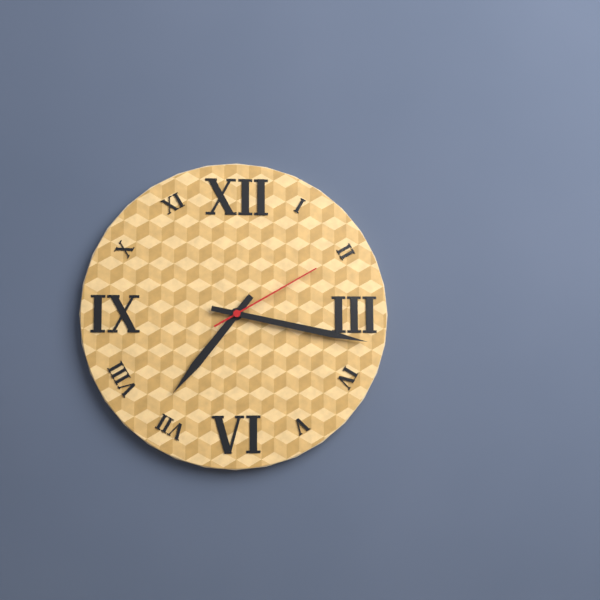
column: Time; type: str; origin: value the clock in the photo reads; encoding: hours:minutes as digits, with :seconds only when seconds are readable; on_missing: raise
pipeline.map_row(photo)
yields 7:17:10
